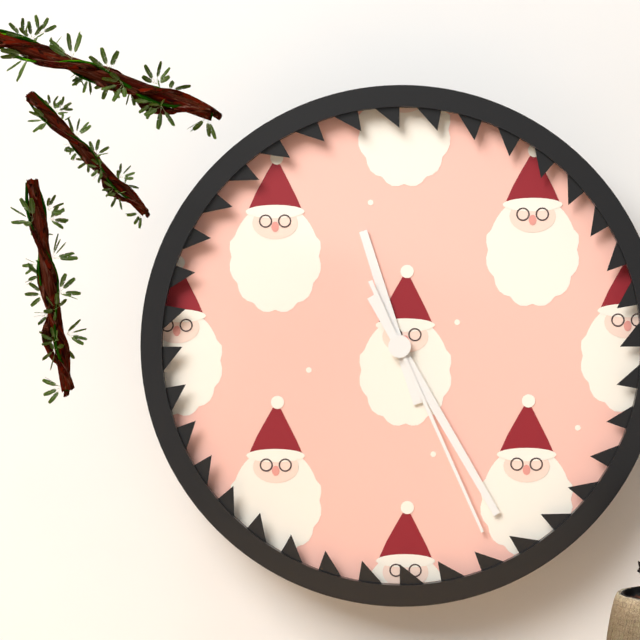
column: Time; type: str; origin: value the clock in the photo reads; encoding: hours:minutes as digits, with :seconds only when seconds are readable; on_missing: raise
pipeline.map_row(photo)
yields 11:25:26
